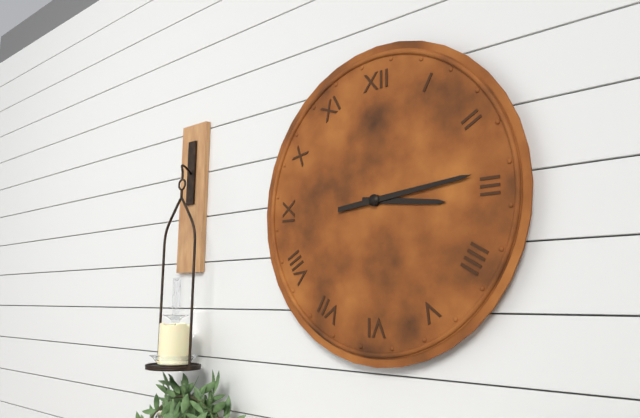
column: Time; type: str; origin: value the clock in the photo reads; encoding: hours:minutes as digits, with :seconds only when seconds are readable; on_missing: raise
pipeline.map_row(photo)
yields 3:14
